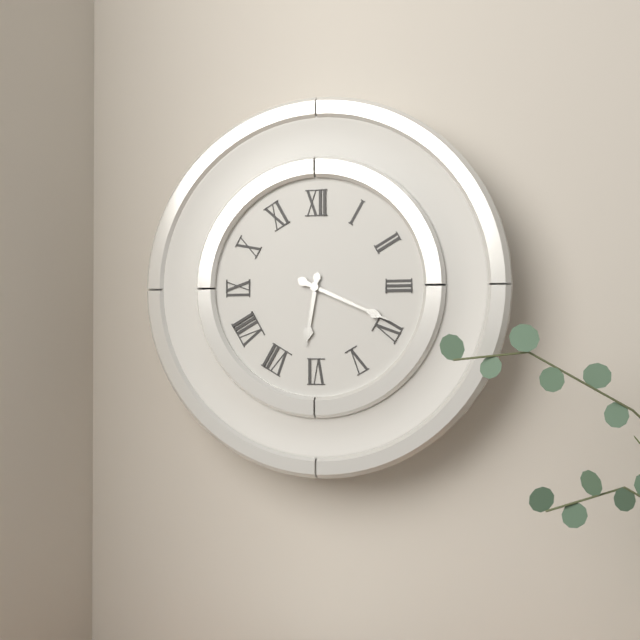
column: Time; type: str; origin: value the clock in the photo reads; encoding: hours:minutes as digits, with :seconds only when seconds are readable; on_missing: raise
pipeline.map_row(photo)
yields 6:19
